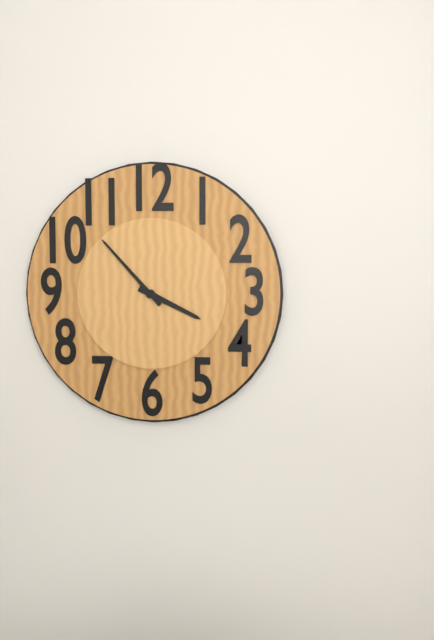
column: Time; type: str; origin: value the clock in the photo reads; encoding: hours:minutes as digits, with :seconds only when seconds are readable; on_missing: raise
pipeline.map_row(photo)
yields 3:53
